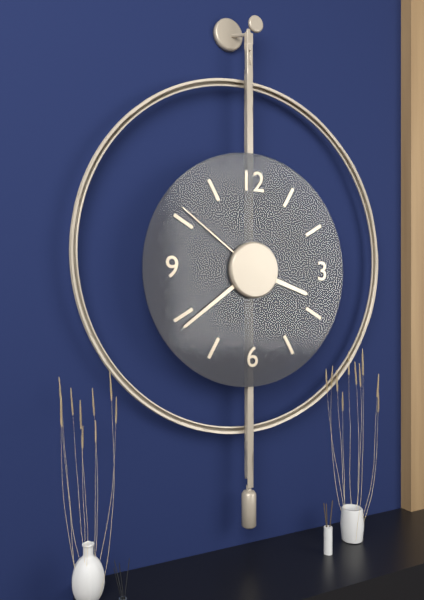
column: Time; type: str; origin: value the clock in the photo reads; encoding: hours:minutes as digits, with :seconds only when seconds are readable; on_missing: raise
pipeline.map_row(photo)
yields 3:39:51
